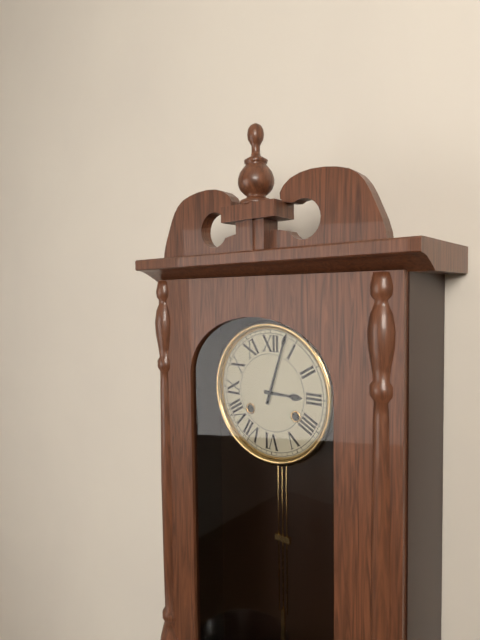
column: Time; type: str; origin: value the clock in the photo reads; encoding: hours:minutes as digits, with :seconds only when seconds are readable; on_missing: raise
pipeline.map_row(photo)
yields 3:03
